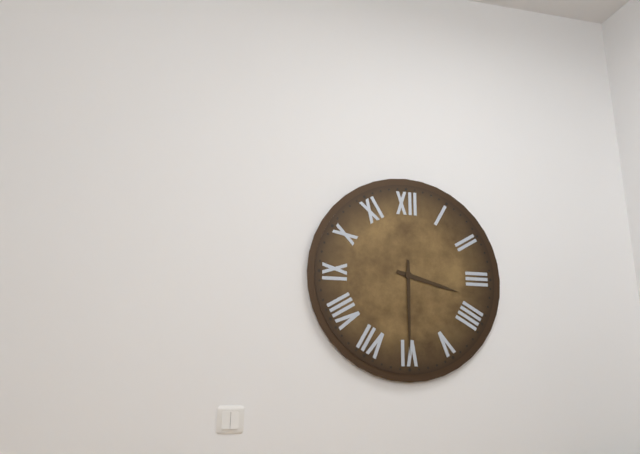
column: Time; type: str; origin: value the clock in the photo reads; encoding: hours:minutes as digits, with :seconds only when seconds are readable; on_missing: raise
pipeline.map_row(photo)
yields 3:30
